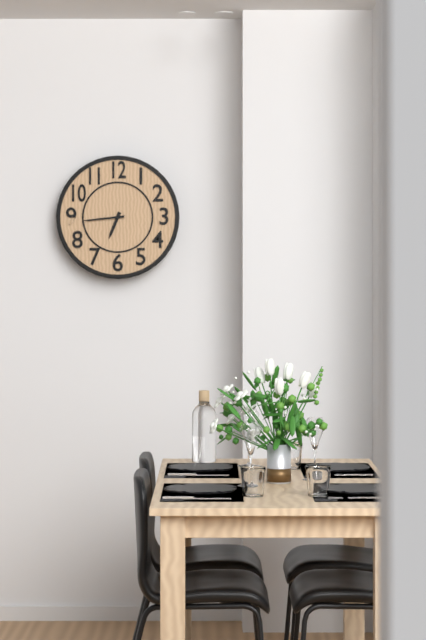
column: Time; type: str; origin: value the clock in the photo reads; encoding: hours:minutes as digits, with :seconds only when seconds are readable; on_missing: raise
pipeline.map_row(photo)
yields 6:44
